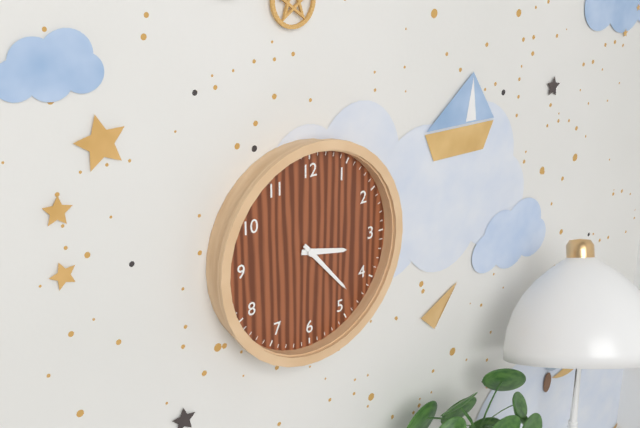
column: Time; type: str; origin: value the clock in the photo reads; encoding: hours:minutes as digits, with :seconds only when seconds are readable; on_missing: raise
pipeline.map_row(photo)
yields 3:23
